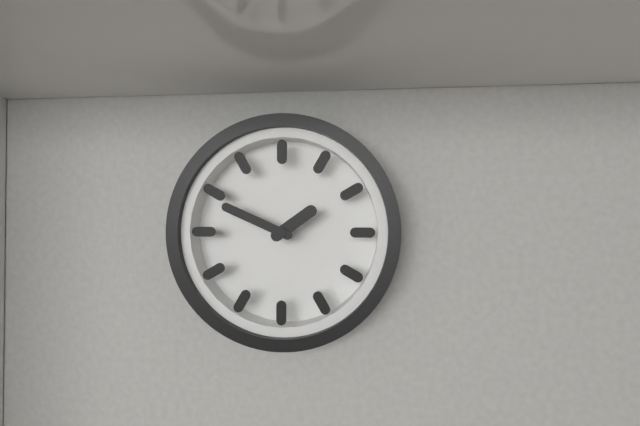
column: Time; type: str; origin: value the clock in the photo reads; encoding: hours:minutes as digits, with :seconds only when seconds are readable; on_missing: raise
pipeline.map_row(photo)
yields 1:49
